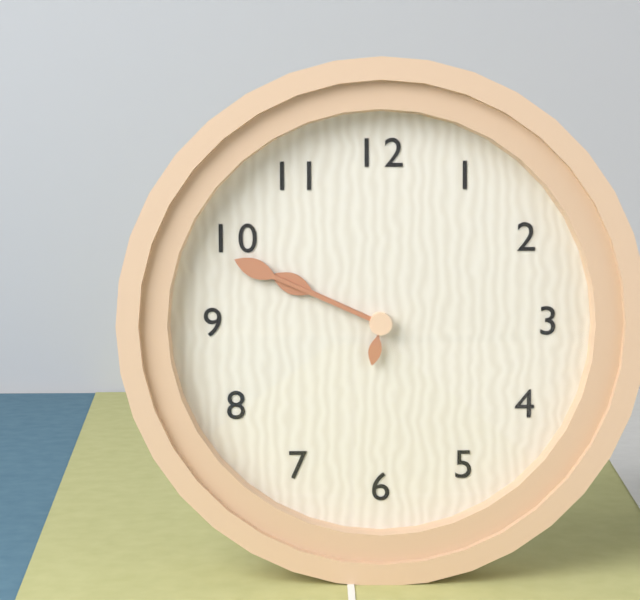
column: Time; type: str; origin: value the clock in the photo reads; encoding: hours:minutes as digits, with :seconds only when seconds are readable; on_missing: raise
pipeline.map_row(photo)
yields 9:49:32
